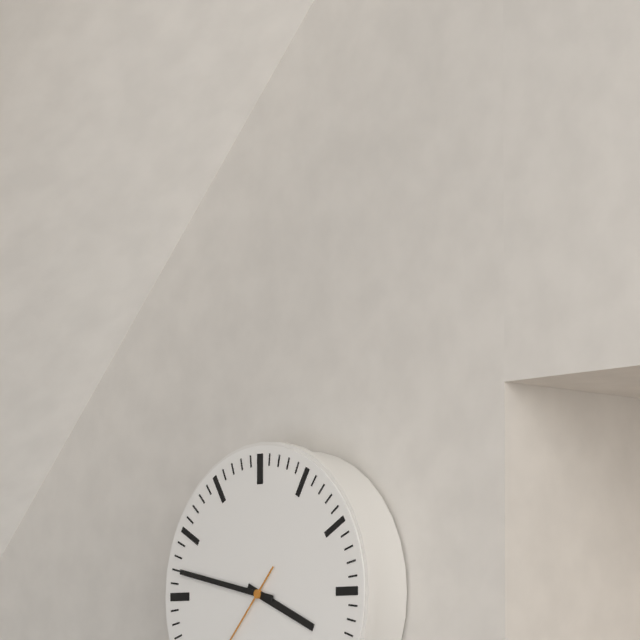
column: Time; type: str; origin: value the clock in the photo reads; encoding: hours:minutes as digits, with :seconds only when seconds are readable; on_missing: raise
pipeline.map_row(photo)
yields 3:47
